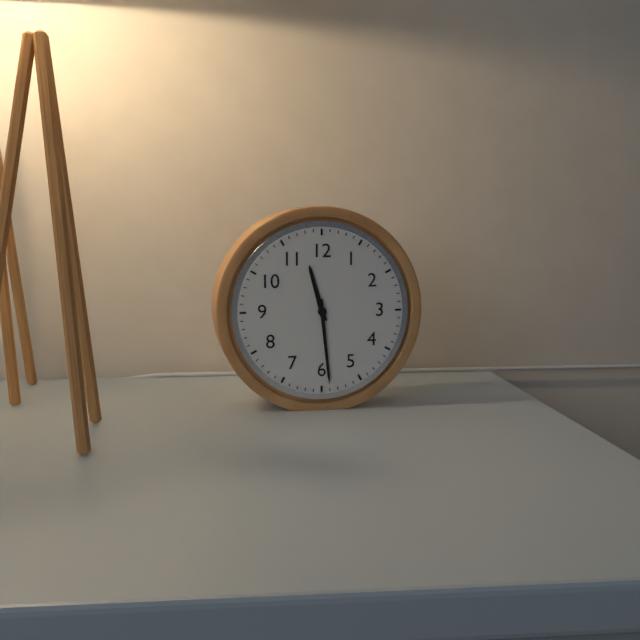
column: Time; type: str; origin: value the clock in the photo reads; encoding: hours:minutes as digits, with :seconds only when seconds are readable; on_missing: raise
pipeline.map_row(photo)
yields 11:29
